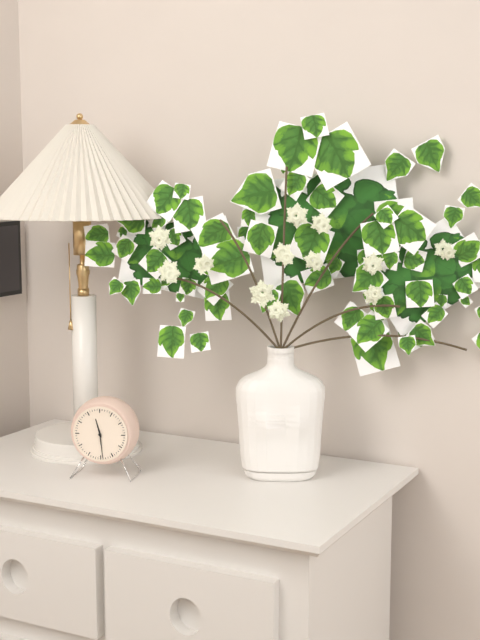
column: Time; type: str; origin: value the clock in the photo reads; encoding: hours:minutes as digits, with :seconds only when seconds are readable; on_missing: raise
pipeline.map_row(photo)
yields 11:29
